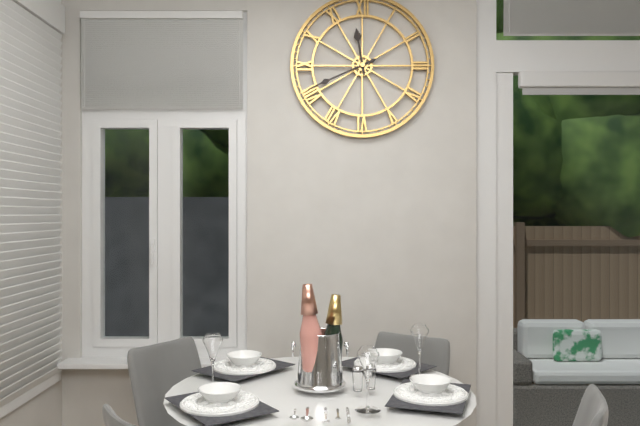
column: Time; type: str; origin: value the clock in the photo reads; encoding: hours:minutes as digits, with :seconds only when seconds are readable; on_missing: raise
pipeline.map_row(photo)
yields 11:41
